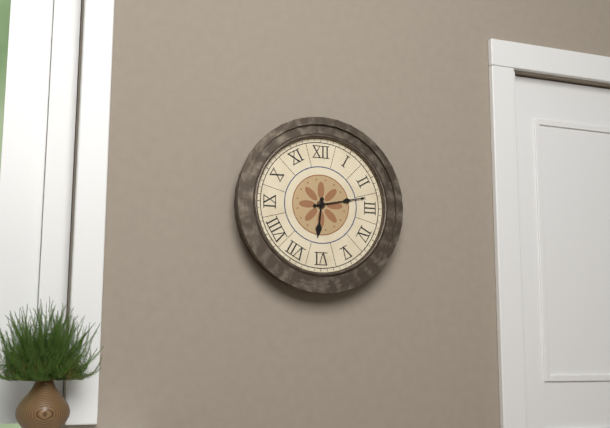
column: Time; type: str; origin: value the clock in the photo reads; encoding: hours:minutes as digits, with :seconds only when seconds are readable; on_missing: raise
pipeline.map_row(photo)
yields 6:13
